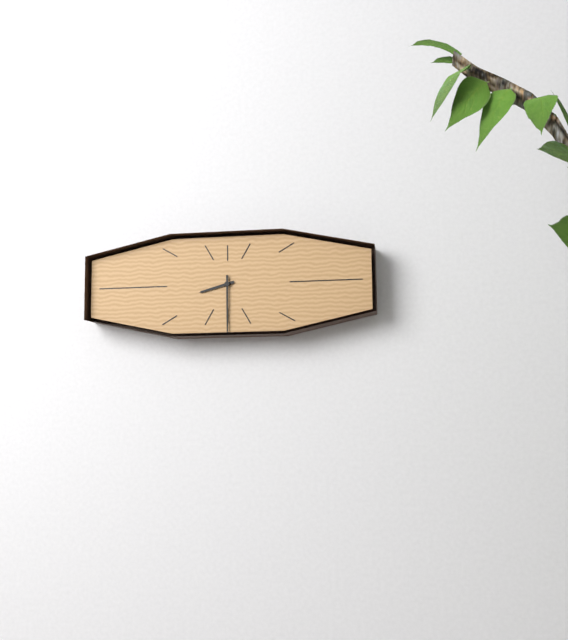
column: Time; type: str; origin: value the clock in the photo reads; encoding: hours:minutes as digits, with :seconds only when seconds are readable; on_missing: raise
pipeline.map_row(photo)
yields 8:30
